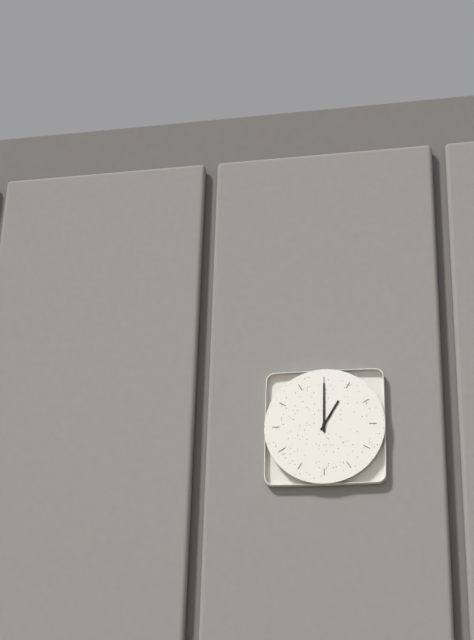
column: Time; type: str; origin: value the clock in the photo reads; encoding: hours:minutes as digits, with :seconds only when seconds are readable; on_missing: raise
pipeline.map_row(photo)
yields 1:00
